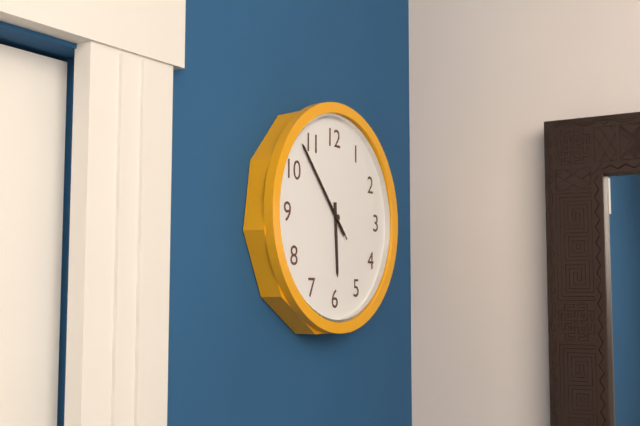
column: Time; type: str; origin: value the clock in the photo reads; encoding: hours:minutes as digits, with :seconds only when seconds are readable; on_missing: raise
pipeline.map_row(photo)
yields 5:53:53
